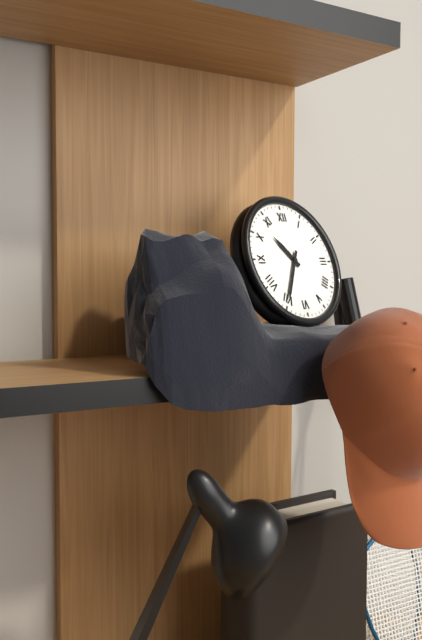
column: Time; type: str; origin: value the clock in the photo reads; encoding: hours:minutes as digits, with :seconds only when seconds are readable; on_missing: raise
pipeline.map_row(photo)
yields 10:35
